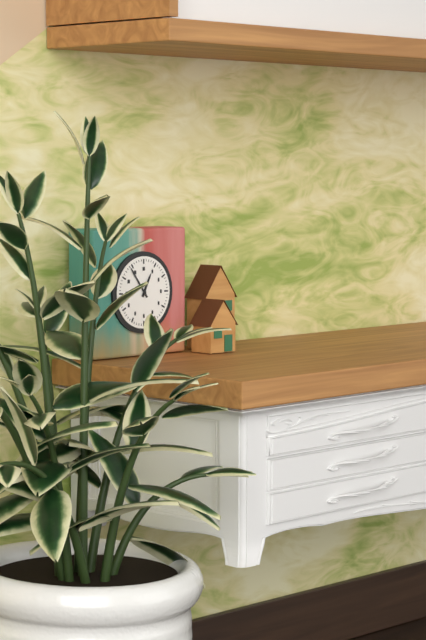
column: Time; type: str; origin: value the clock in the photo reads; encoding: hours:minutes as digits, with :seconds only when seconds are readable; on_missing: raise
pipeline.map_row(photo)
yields 12:54
